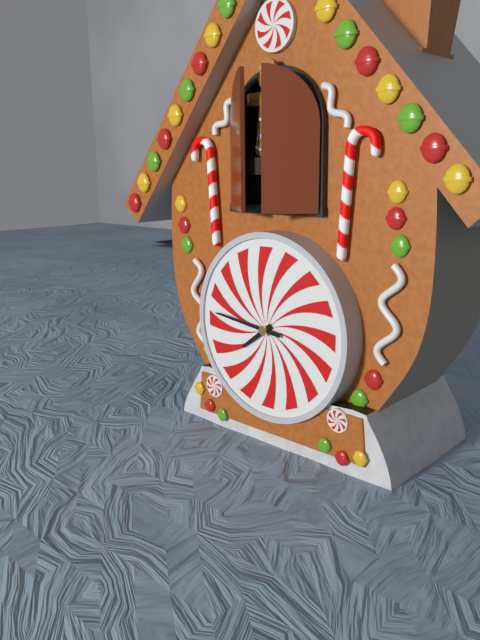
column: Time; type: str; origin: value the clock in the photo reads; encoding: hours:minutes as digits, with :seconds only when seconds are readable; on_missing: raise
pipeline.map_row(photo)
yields 7:46
